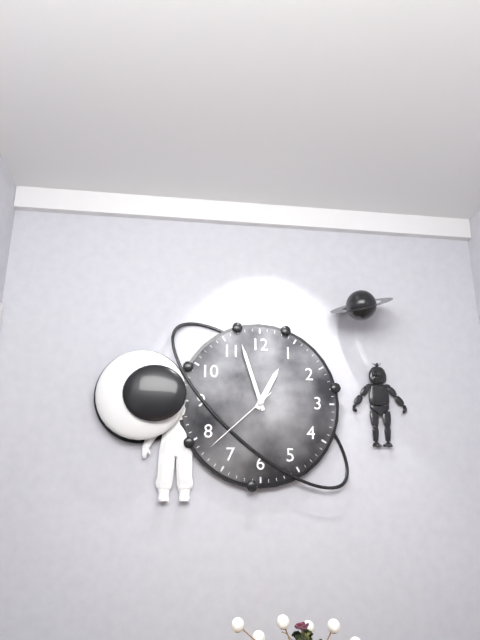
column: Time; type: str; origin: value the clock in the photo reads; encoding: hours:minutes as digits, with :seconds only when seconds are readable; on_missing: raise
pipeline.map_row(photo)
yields 12:57:38
